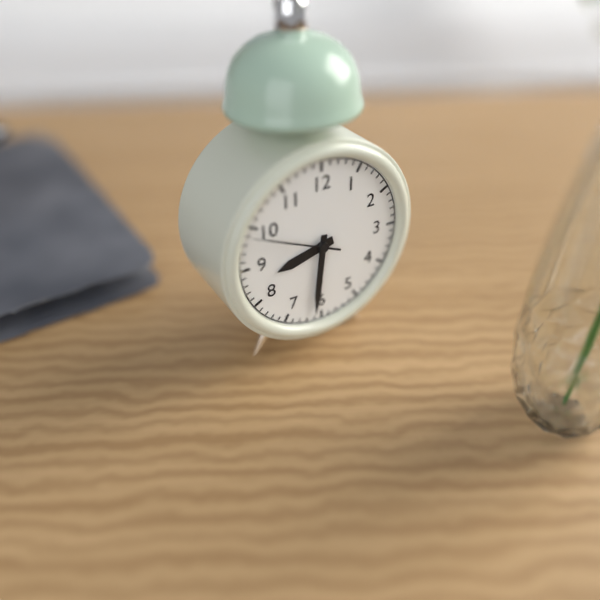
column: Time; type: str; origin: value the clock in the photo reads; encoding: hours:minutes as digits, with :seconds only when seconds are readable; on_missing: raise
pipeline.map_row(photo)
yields 8:31:49
